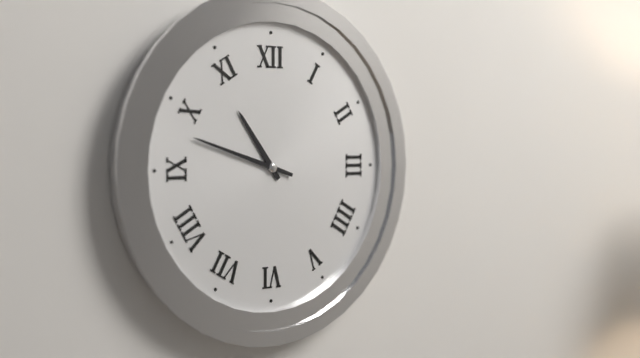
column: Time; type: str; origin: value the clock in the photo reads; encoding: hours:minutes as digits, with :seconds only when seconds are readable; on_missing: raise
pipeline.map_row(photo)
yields 10:48
